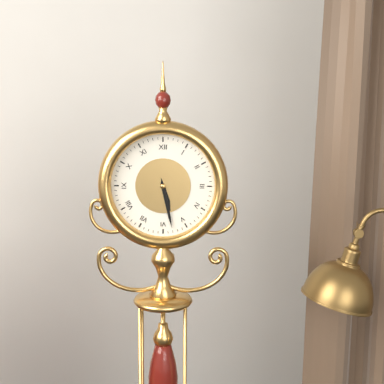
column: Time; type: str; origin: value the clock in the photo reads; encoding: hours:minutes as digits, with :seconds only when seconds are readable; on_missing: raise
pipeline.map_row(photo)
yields 5:28
